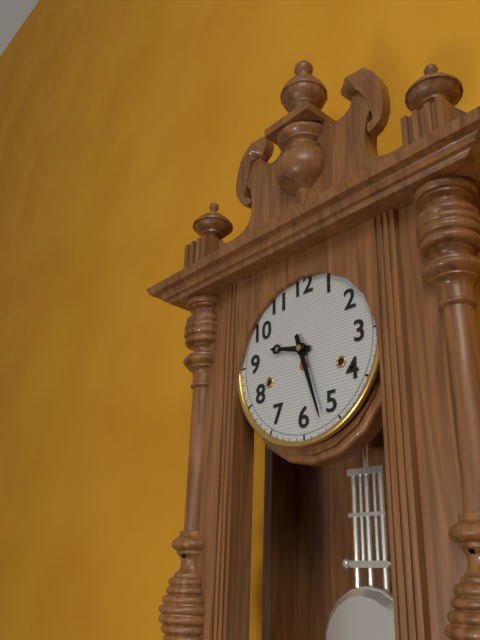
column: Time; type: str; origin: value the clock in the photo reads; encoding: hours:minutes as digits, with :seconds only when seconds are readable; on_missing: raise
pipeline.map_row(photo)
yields 9:27
